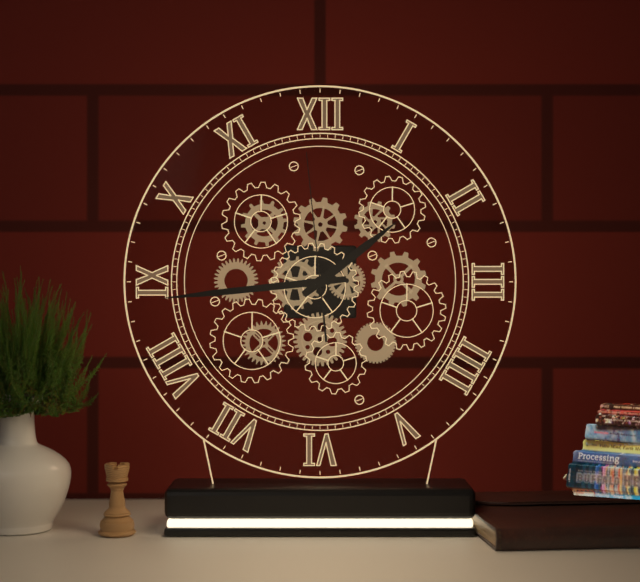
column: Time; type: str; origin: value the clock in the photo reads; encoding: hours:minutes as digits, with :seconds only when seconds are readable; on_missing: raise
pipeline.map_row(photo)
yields 1:44:59
